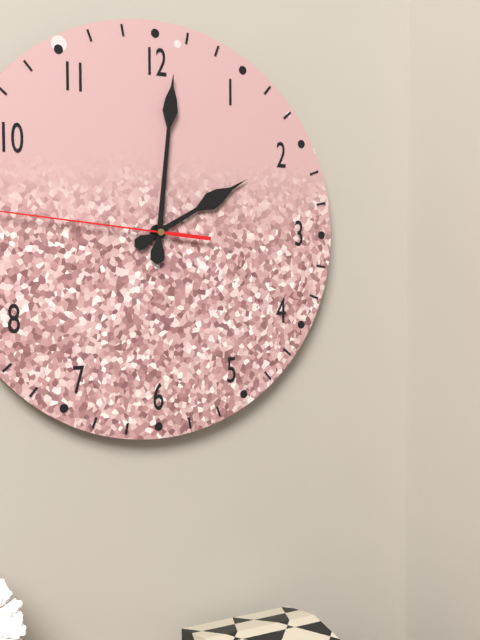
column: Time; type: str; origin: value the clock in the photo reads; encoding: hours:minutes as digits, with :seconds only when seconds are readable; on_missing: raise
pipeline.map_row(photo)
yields 2:01
